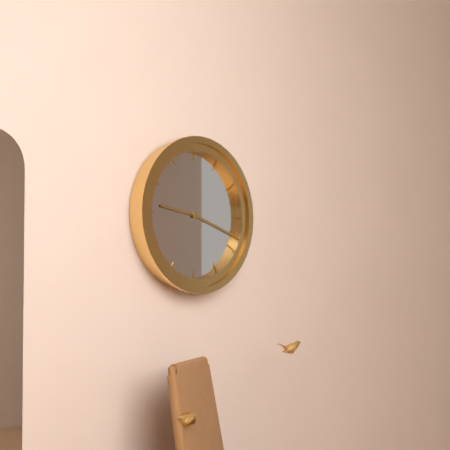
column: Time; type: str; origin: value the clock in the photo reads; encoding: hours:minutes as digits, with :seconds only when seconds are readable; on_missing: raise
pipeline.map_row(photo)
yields 9:18
